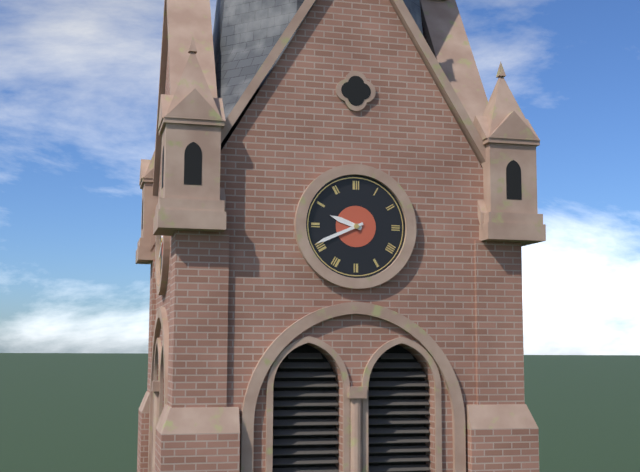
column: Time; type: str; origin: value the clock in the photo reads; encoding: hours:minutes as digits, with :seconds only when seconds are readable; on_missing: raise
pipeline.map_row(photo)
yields 9:41
